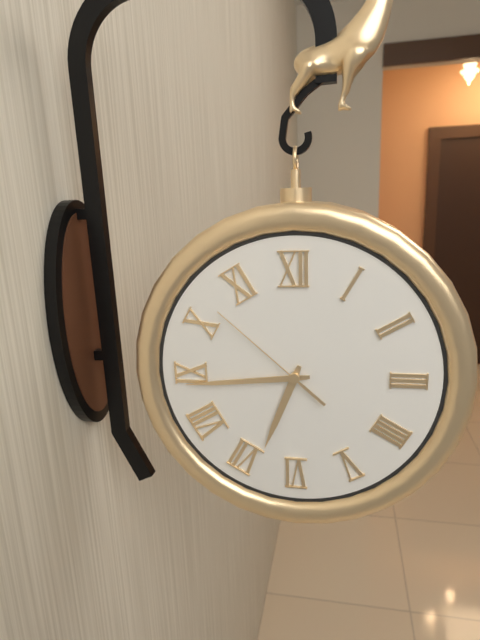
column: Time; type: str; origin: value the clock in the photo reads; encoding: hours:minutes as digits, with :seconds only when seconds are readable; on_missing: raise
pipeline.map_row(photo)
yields 6:44:52
